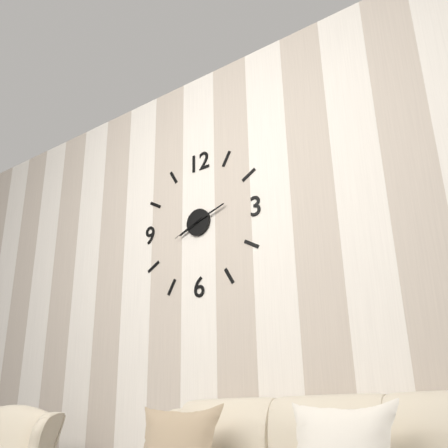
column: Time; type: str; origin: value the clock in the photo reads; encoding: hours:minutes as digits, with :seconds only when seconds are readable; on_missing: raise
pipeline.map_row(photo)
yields 8:12
